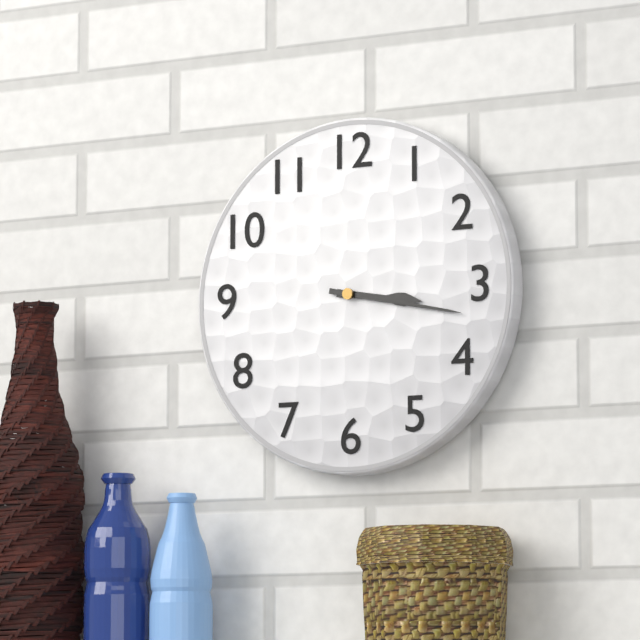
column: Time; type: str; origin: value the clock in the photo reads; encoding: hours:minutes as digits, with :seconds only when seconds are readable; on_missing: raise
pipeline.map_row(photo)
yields 3:17
